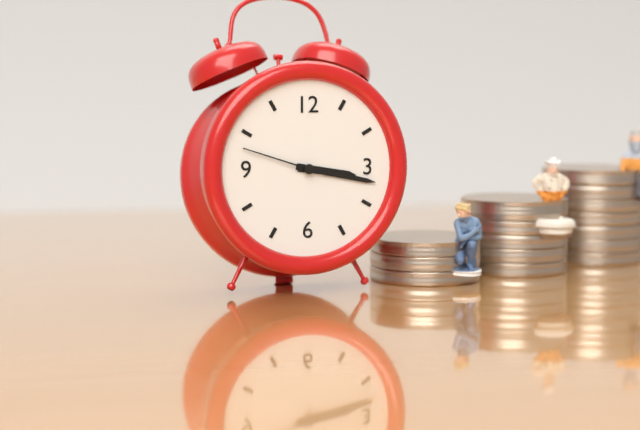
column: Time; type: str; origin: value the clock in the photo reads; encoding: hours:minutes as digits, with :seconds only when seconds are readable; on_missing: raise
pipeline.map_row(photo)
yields 3:17:48
